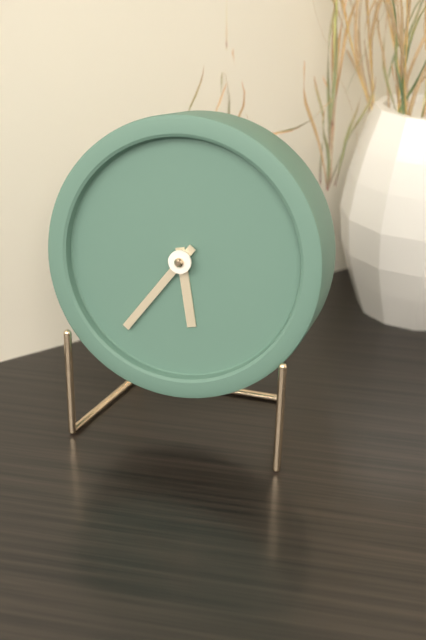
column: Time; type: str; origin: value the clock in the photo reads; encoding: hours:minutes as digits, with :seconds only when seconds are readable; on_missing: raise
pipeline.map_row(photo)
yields 5:36
